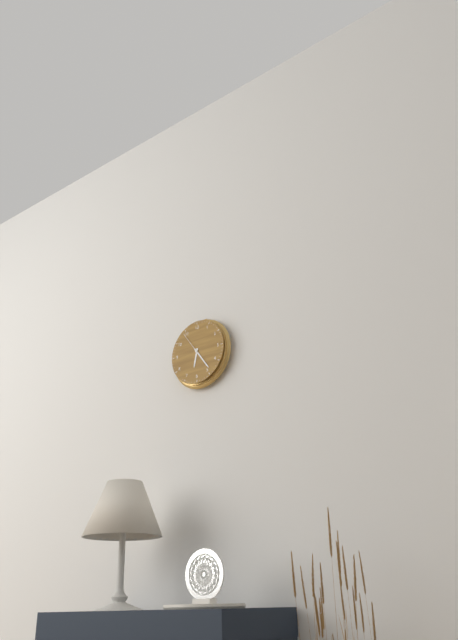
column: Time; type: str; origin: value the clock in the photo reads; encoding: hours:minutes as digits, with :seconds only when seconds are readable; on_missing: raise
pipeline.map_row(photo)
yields 6:24
